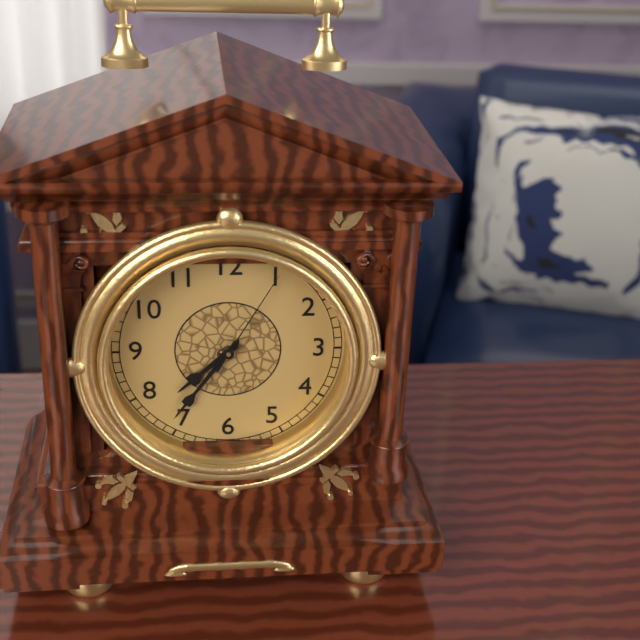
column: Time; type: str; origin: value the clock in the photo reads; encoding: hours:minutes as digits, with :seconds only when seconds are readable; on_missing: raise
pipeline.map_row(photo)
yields 7:36:05
